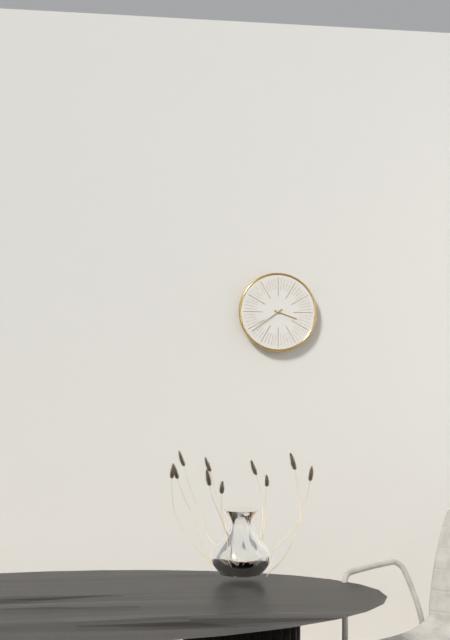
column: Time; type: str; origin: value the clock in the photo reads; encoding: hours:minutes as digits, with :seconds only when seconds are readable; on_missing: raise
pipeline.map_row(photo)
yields 3:39
